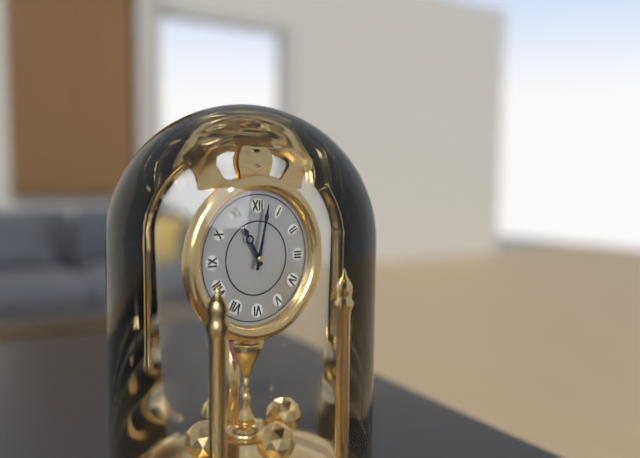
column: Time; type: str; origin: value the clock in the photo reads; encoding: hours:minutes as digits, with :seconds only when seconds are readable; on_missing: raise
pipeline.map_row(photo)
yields 11:02
